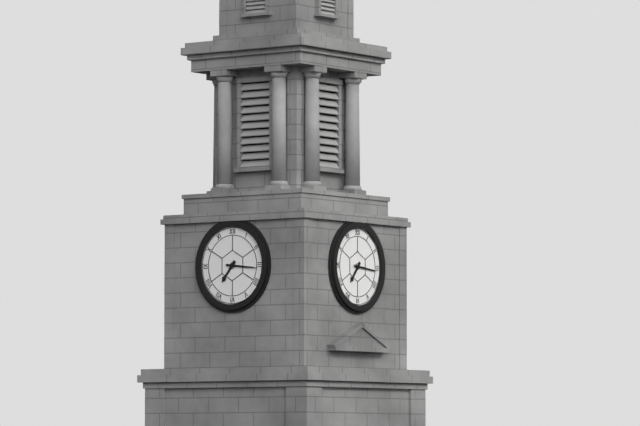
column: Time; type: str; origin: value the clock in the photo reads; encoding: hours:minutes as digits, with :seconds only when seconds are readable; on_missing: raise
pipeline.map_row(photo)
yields 7:16
